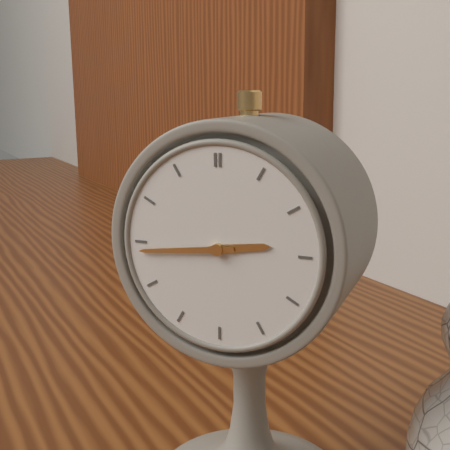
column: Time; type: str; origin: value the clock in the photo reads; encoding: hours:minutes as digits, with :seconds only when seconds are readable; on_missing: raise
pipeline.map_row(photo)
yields 2:44
